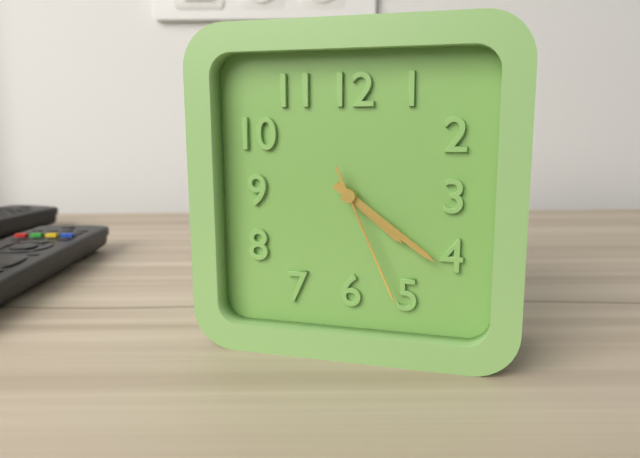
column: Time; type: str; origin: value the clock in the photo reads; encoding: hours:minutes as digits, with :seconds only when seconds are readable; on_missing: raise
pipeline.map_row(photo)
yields 4:21:26
